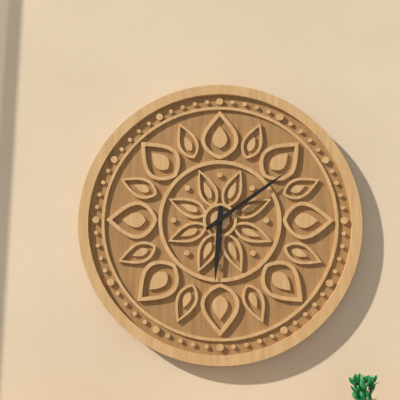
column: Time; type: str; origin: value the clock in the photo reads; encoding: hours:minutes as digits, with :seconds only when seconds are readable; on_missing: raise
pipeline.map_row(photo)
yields 6:09
